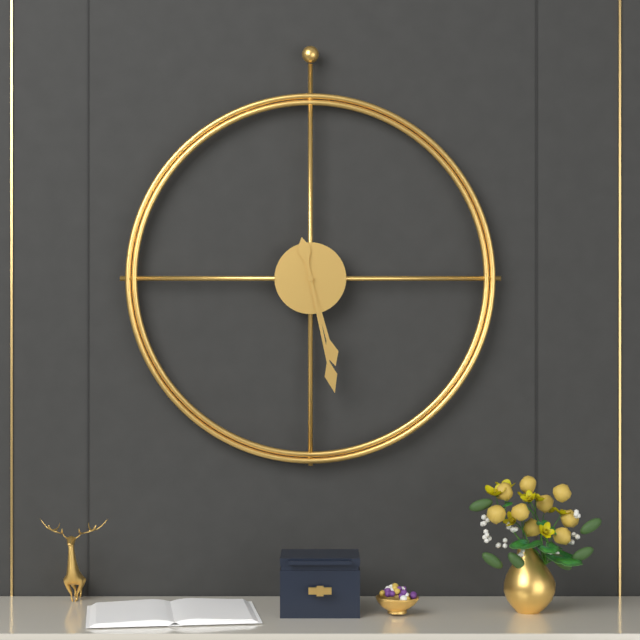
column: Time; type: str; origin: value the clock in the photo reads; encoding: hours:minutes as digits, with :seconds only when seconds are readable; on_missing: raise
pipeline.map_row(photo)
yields 5:28
